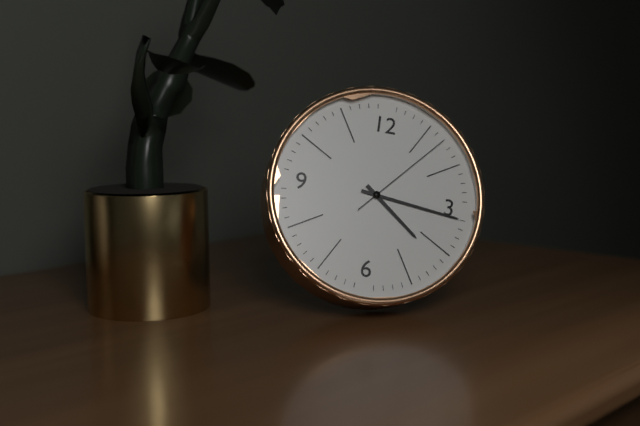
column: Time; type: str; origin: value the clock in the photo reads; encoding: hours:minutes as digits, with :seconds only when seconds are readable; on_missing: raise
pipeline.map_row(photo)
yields 4:16:07
